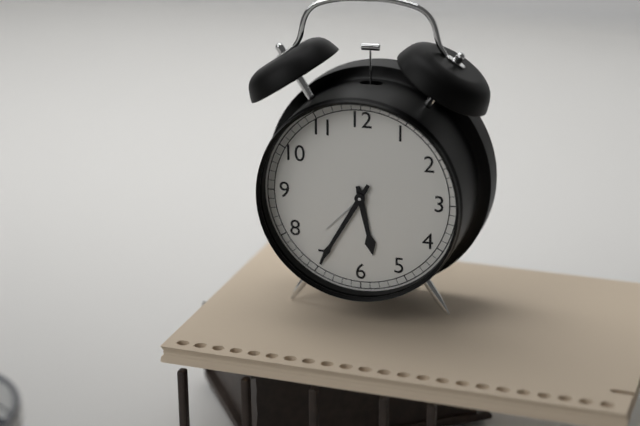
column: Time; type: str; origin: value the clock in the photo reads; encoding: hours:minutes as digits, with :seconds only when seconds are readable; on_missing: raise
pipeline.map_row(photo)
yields 5:35
